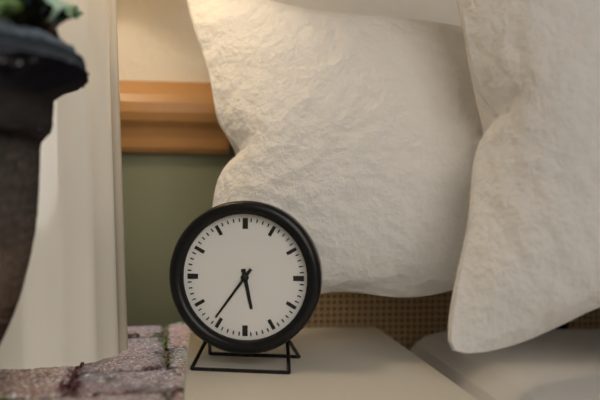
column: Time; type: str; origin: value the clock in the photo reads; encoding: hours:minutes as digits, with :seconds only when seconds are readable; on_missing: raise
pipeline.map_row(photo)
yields 5:36
